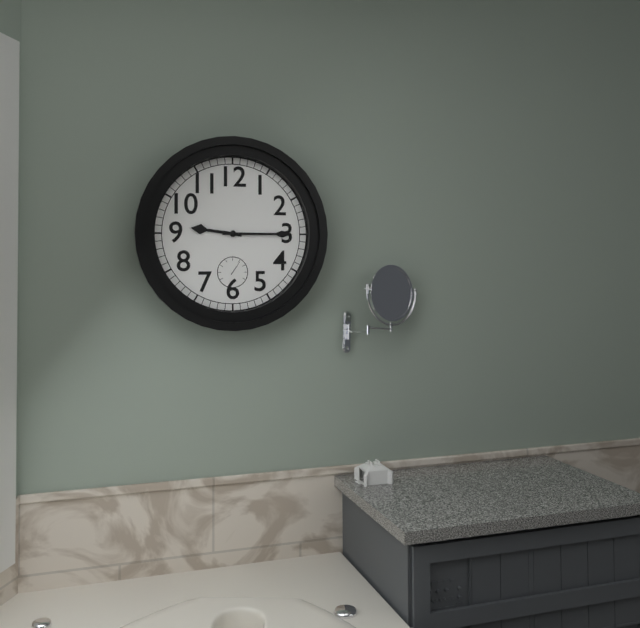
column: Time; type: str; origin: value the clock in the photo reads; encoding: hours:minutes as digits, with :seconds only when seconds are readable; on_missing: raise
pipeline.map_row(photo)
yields 9:15
